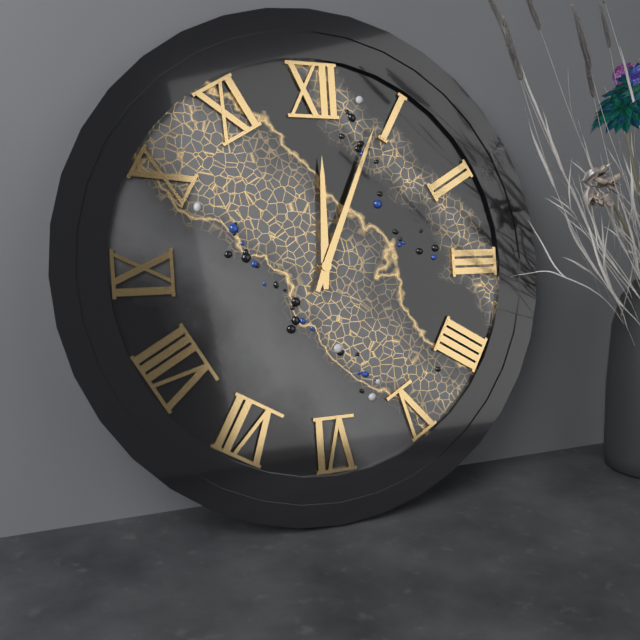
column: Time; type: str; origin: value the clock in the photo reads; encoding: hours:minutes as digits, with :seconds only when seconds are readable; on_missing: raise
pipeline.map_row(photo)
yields 12:04
